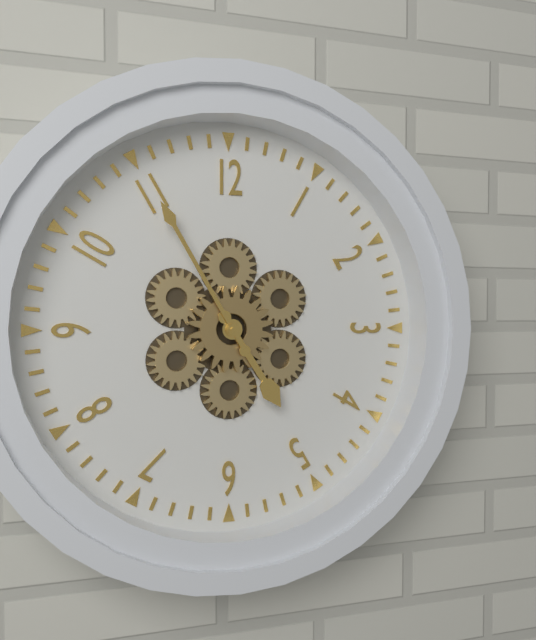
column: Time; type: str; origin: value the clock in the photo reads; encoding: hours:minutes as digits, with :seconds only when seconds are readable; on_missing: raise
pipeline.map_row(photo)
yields 4:55
